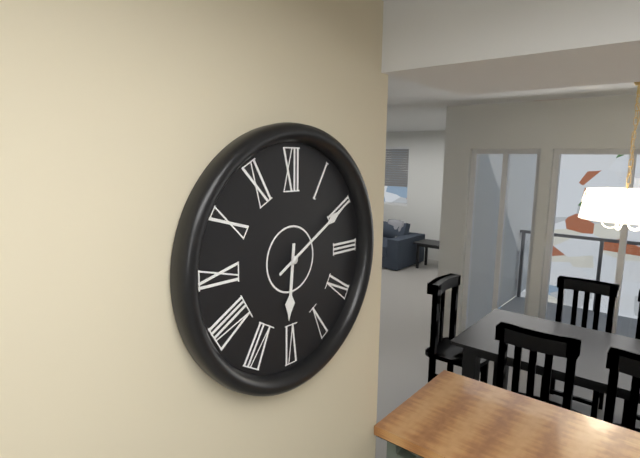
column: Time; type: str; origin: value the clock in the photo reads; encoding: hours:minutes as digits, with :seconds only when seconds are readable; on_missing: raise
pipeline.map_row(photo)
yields 6:10
